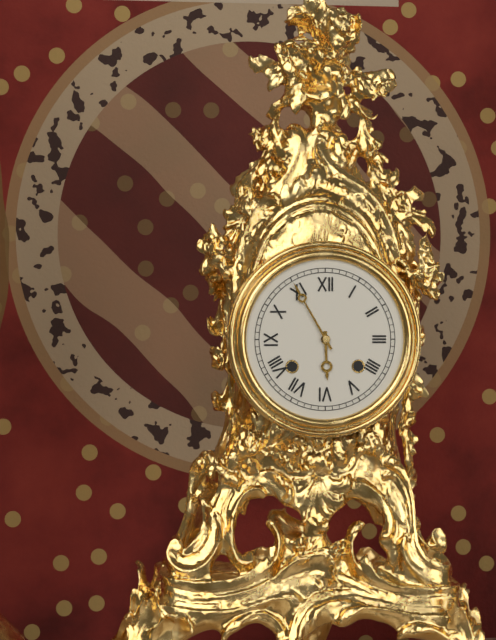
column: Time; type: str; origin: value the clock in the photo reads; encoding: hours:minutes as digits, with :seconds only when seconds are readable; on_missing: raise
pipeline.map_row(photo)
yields 5:55
